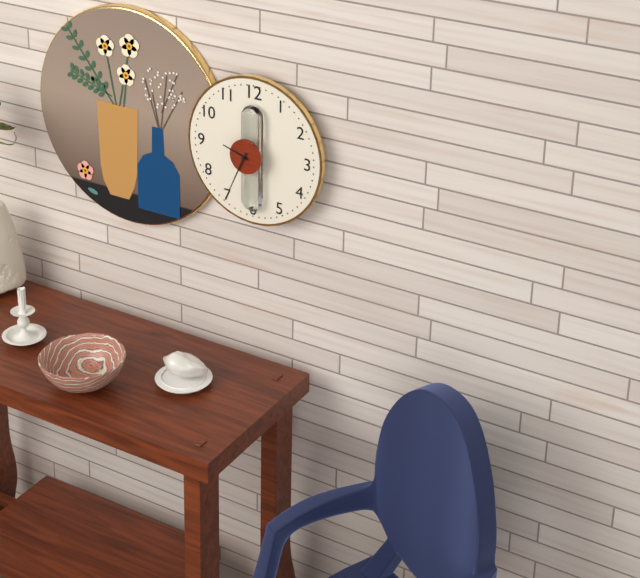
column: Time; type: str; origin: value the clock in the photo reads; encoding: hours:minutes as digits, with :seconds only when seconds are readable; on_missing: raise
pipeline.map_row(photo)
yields 9:34
